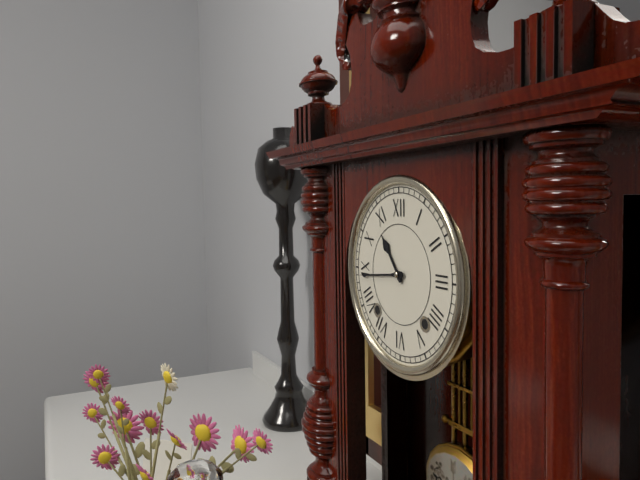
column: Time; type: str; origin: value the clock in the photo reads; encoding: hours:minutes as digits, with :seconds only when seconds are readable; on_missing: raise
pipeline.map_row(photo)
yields 10:44
